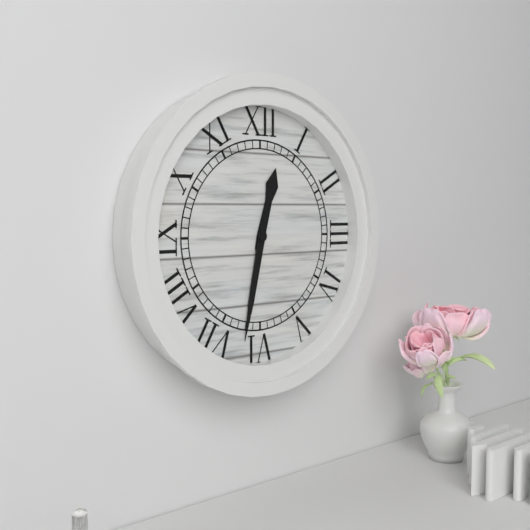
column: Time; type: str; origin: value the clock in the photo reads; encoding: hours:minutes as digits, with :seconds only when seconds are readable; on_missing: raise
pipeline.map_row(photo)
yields 12:32
